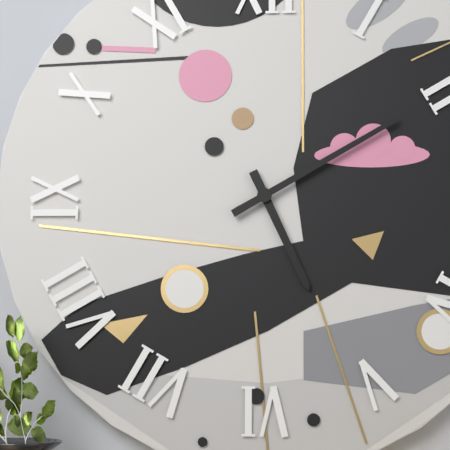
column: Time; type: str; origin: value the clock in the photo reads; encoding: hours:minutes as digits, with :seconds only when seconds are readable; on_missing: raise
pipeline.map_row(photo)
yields 5:10
